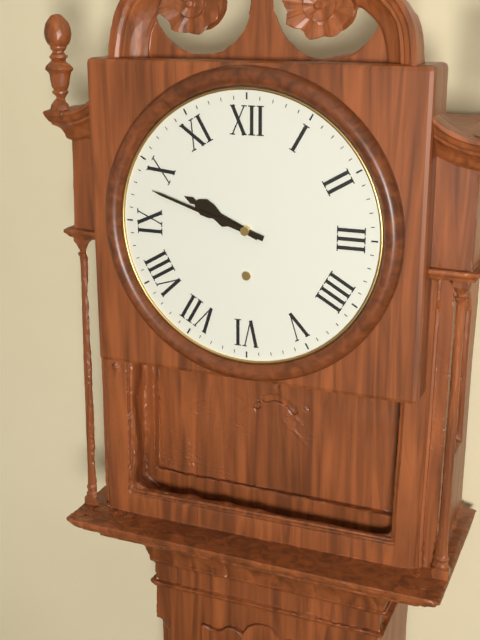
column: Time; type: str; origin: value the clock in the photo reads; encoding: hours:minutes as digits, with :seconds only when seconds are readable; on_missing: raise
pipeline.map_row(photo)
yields 9:48
